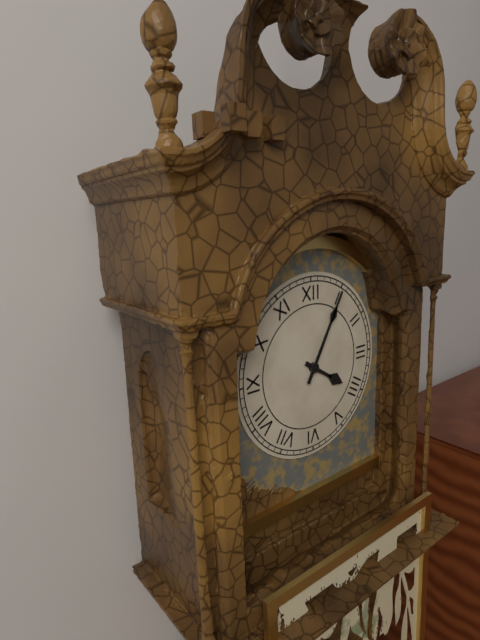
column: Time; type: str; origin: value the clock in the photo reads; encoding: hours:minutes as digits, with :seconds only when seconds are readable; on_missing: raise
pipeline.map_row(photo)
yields 4:05
